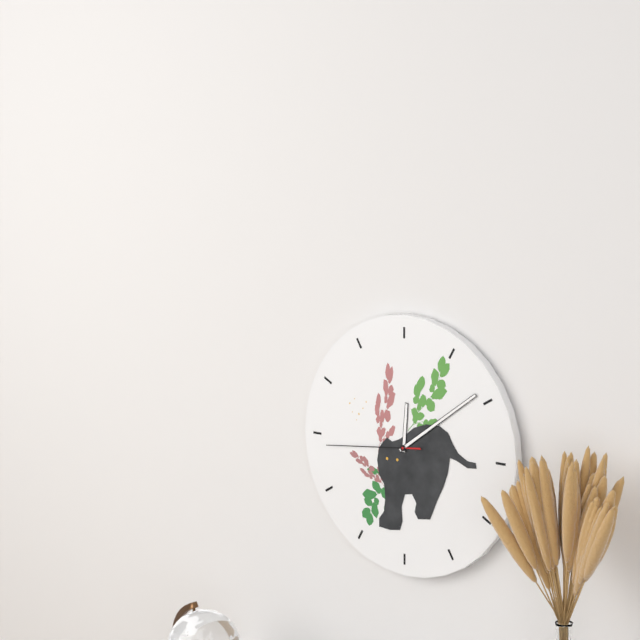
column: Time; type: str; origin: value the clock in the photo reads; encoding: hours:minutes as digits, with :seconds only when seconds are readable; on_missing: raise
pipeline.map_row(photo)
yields 12:09:44
